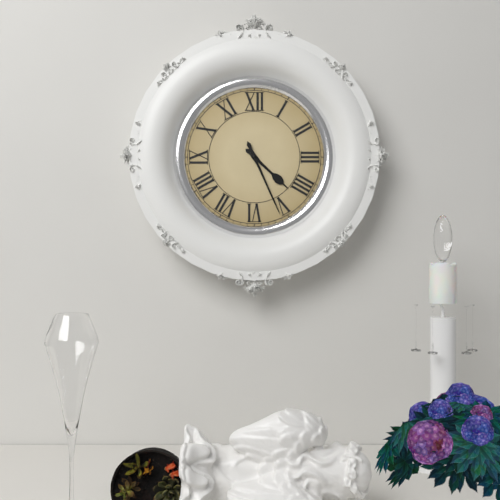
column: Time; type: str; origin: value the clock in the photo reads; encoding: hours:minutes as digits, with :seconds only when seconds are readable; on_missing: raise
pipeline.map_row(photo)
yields 4:26
